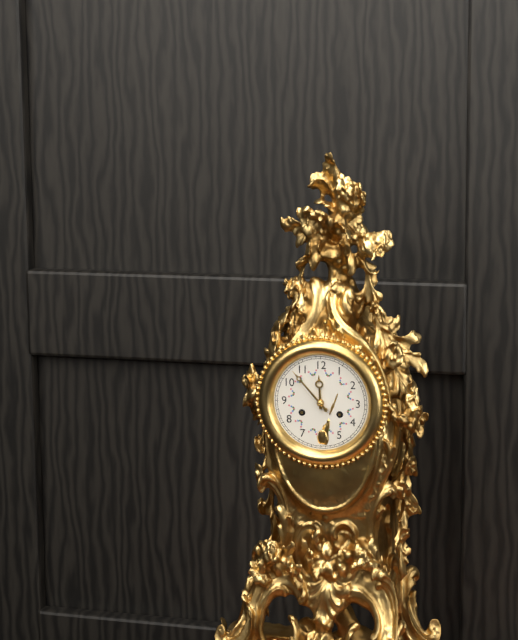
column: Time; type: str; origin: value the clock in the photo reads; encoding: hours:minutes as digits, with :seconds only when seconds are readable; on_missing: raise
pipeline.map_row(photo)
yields 11:53
